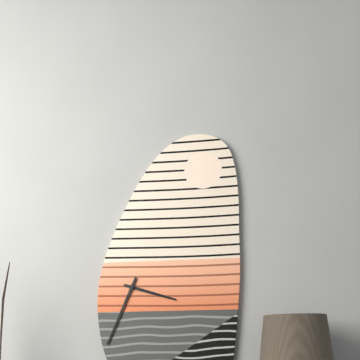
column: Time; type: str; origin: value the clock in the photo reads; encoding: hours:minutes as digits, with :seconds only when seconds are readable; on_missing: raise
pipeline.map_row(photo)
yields 3:34
